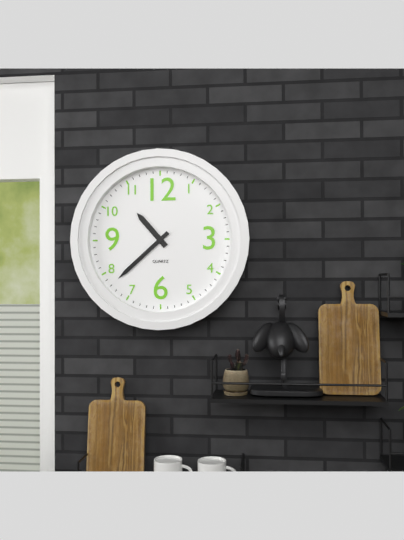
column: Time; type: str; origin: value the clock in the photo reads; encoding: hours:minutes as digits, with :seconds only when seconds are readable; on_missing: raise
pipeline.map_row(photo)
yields 10:38
